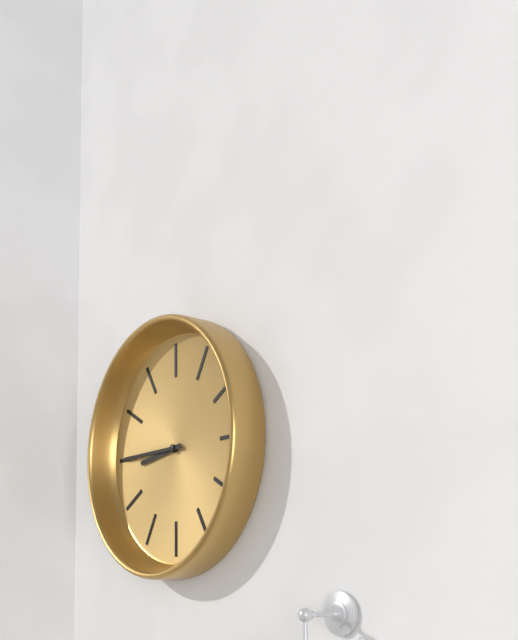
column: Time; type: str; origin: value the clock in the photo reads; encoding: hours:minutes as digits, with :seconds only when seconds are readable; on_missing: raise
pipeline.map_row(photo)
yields 8:45
